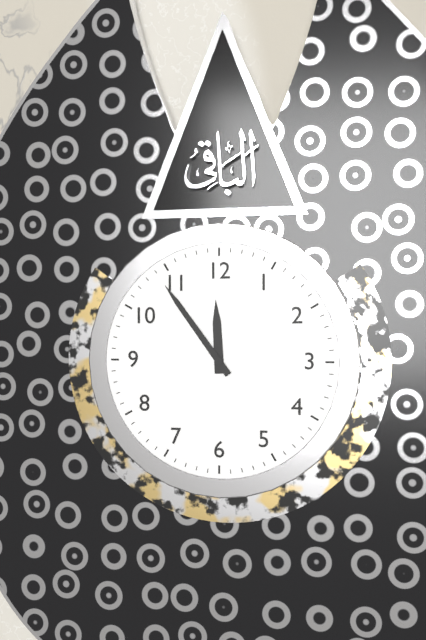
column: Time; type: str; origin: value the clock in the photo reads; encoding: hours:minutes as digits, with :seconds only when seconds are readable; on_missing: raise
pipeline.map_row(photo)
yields 11:54
